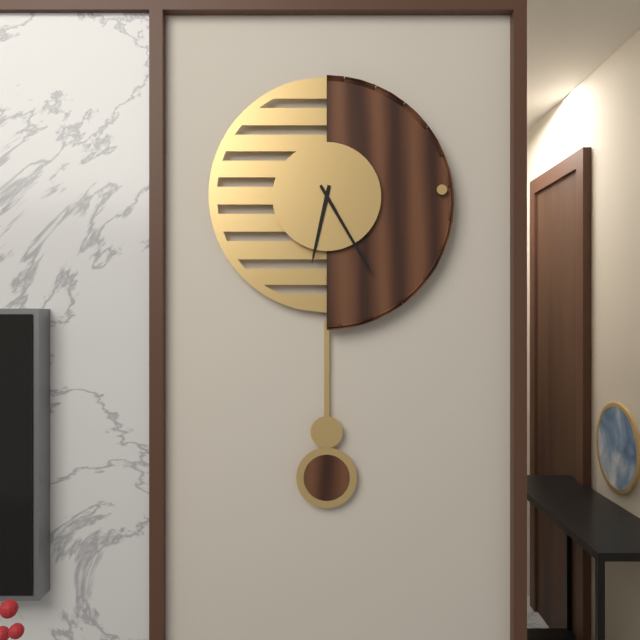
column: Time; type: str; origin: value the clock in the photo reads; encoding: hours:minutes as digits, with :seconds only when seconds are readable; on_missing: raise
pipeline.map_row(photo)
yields 6:25
